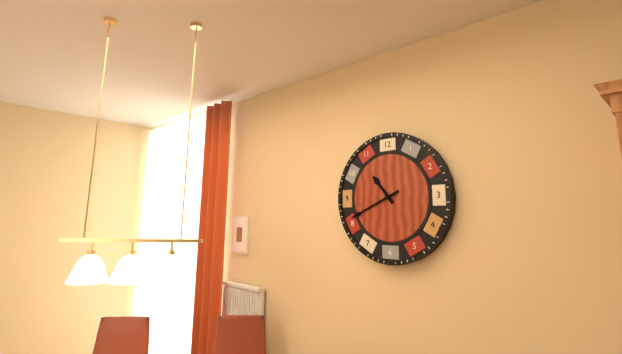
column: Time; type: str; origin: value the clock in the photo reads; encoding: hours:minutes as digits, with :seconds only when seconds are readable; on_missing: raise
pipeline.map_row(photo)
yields 10:41
